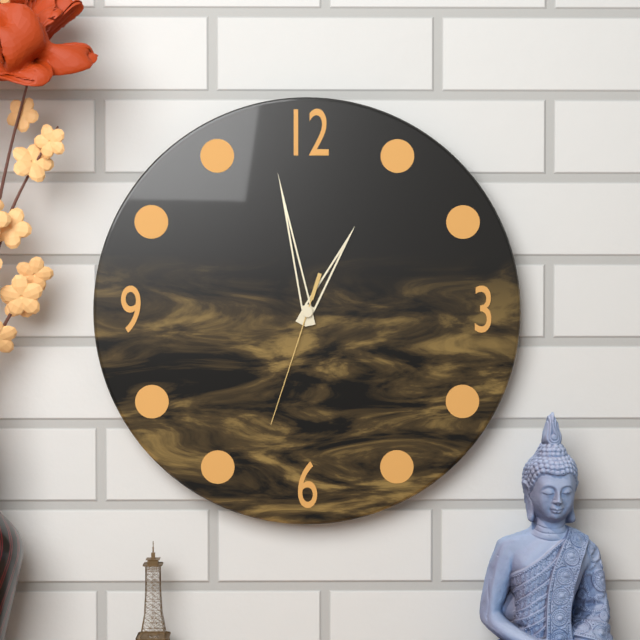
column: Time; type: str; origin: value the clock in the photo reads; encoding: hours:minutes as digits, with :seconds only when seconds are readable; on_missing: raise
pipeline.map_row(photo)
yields 12:58:33
